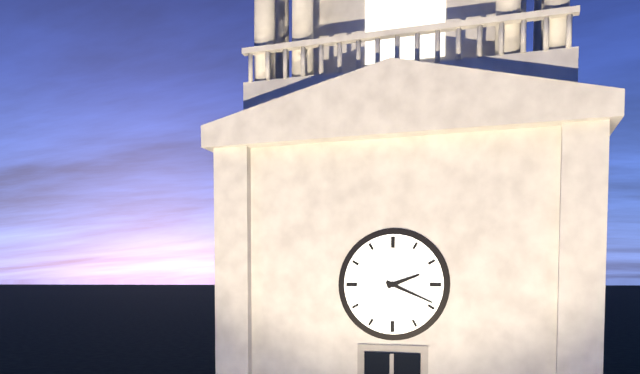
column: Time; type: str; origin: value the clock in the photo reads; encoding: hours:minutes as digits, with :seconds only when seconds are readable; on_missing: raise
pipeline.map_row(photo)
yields 2:19
